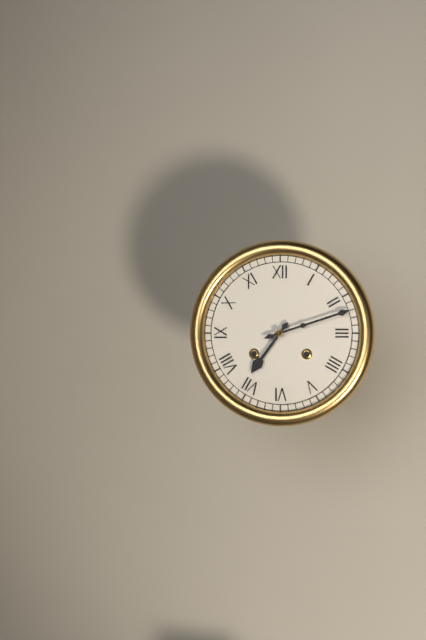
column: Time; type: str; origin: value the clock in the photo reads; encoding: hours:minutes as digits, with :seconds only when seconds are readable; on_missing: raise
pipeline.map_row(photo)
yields 7:12
